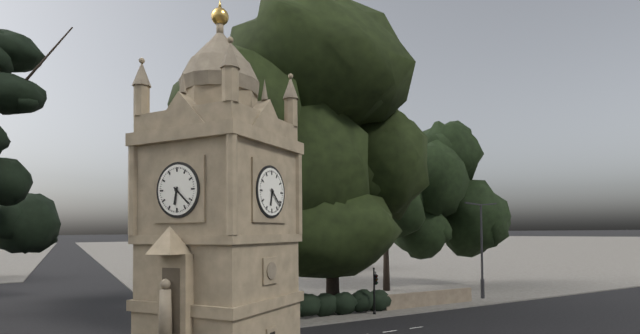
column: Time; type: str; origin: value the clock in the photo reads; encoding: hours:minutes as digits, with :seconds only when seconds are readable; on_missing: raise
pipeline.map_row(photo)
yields 6:22
